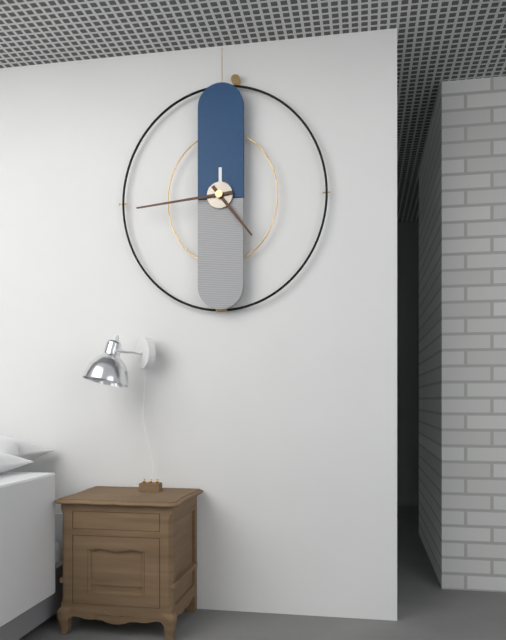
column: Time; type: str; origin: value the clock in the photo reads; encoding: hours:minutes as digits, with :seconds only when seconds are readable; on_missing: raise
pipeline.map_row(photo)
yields 4:44
